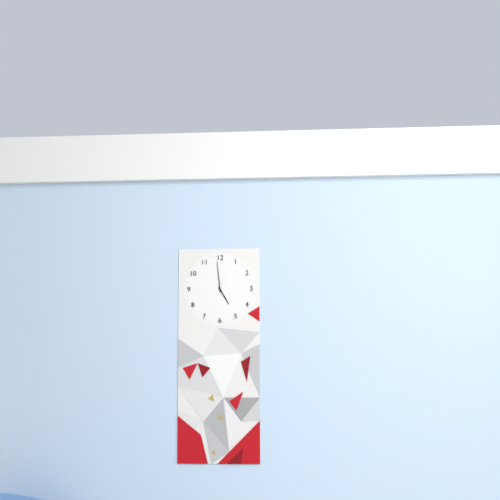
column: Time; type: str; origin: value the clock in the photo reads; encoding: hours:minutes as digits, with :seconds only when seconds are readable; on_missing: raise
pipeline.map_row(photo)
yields 4:59
